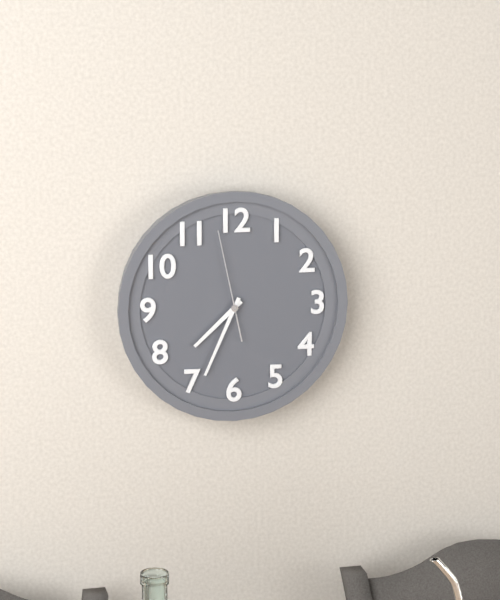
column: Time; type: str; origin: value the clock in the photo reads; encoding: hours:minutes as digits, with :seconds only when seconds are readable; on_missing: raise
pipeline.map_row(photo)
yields 7:34:58
